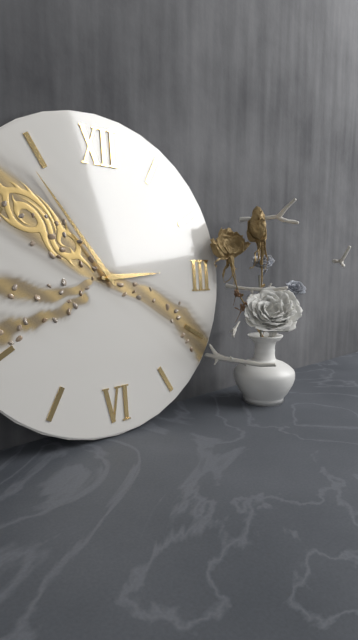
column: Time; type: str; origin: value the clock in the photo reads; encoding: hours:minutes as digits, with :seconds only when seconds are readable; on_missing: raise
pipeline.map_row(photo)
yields 2:54
